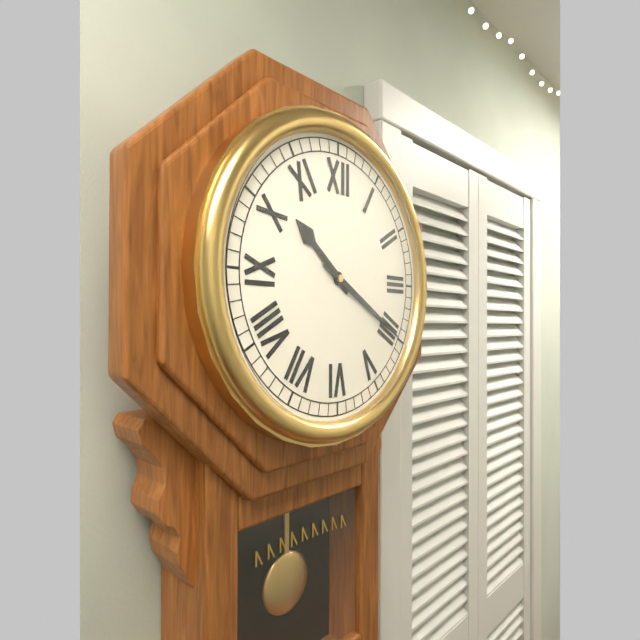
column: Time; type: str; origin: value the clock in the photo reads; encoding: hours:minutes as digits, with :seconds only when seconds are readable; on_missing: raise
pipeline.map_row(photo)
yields 10:20
